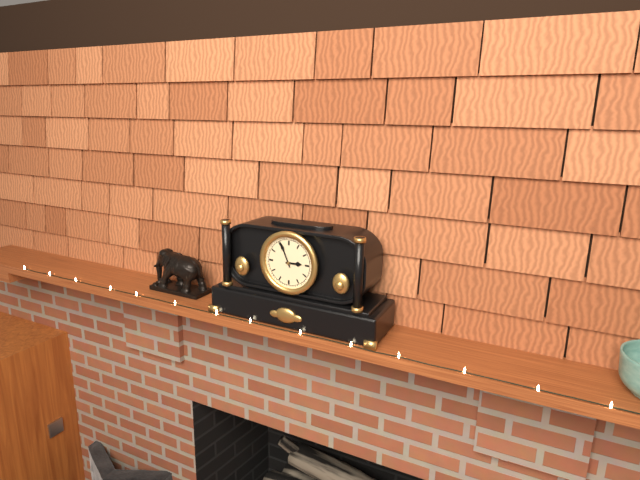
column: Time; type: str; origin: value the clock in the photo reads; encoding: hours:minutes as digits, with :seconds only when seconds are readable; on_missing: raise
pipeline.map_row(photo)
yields 2:56
